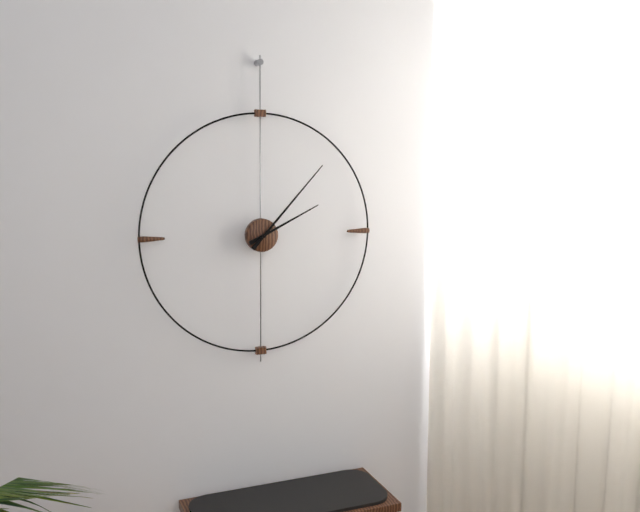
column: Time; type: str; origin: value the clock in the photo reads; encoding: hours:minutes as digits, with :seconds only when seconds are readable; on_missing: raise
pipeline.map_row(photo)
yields 2:07
